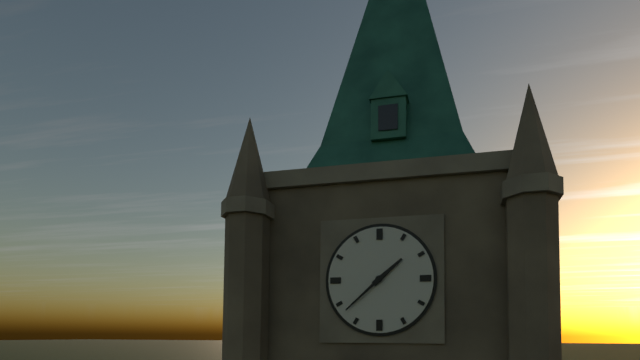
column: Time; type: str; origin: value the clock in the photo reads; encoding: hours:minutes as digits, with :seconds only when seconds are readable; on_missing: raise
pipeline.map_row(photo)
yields 1:38
